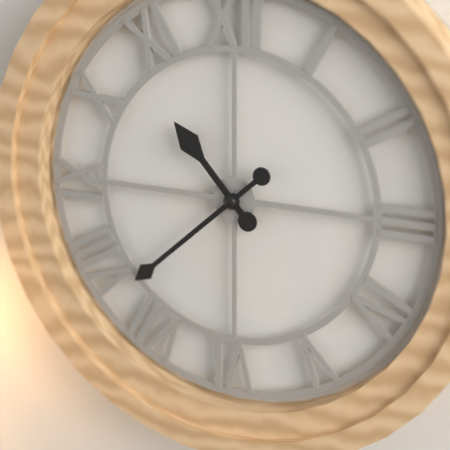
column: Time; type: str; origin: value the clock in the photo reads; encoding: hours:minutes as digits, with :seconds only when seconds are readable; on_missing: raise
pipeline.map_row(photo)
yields 10:38
